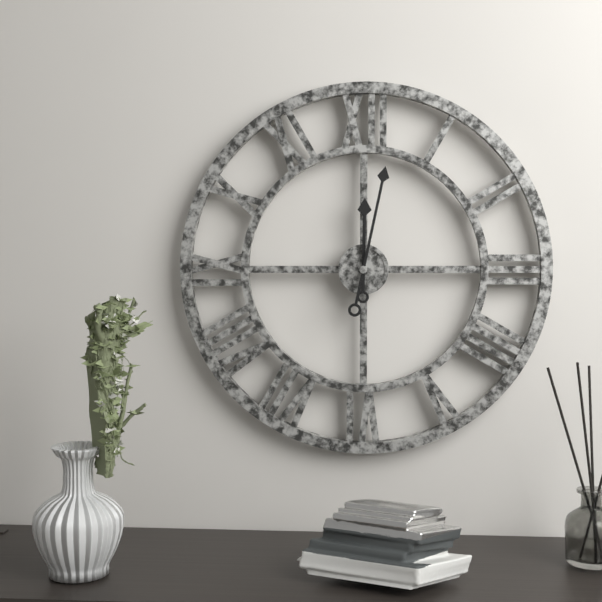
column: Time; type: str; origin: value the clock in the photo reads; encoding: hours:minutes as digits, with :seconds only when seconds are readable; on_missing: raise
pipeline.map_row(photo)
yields 12:02
